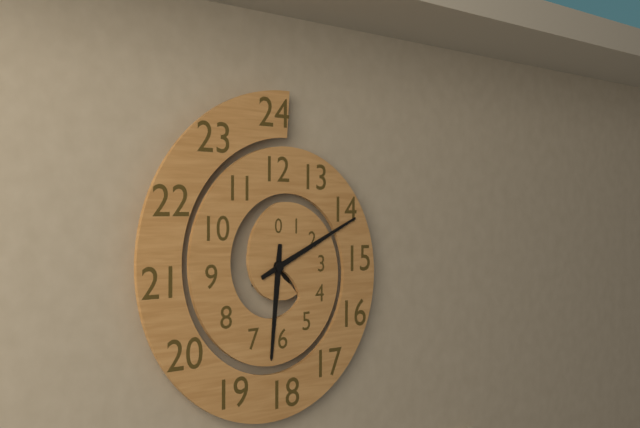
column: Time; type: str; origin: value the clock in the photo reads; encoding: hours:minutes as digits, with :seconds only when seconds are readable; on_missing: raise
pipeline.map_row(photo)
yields 6:11
